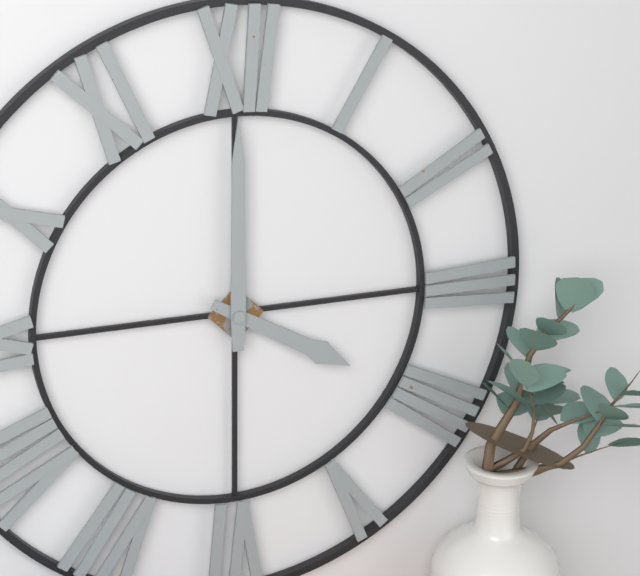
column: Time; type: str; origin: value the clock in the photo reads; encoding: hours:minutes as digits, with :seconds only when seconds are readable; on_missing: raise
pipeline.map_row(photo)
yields 4:00
